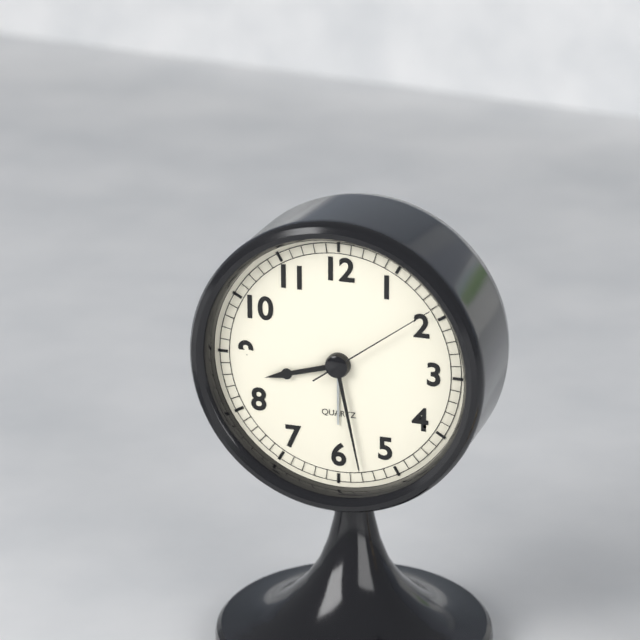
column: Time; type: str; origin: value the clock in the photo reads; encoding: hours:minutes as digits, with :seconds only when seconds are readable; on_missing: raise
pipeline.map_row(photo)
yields 8:28:09
